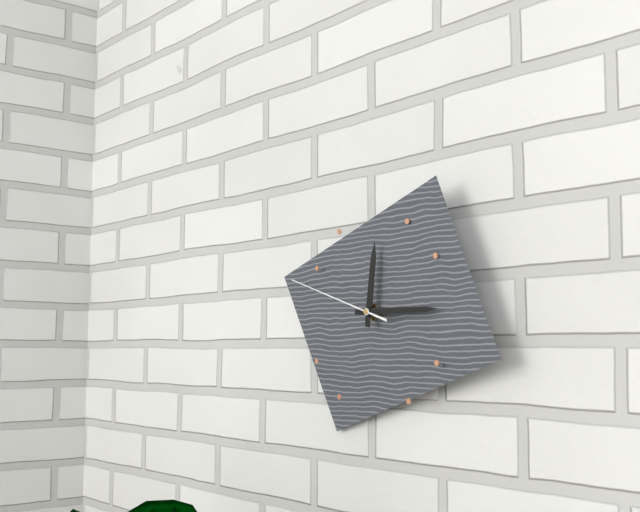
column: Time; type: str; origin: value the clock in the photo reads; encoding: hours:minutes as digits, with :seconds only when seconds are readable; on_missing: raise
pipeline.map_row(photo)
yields 12:15:48
